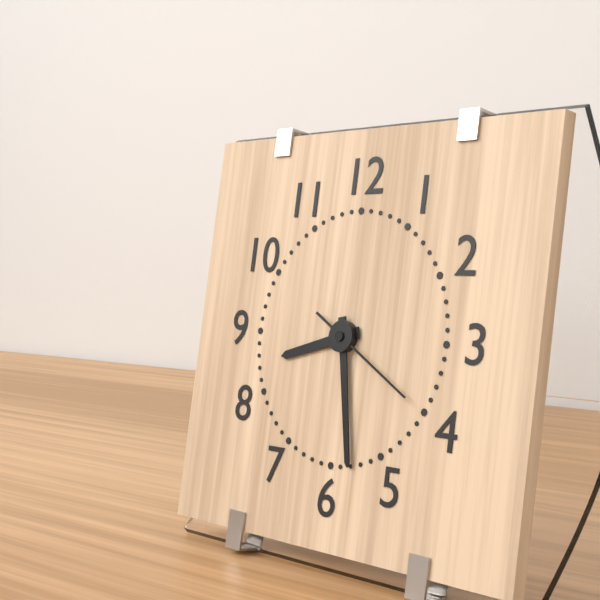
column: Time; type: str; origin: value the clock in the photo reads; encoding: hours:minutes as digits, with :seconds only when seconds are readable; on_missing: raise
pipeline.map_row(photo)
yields 8:28:20
